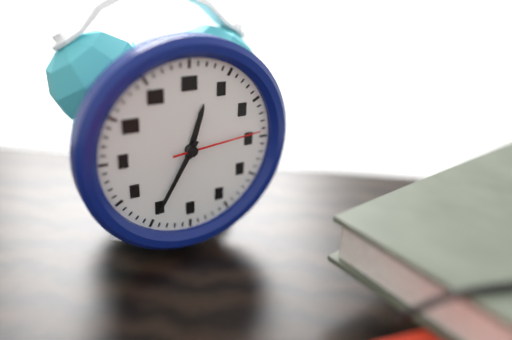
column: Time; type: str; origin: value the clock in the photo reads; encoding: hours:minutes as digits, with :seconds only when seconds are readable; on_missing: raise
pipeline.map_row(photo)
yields 12:35:14
